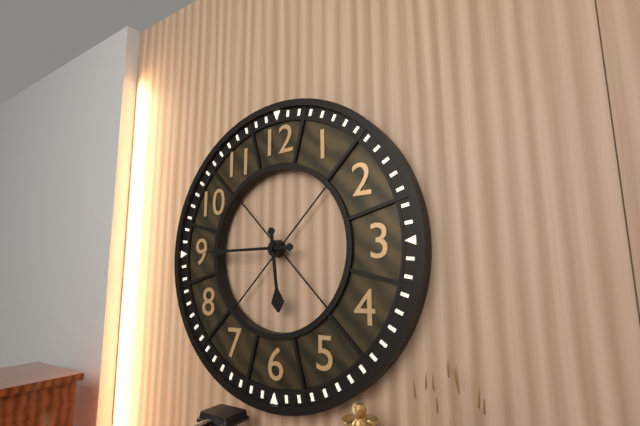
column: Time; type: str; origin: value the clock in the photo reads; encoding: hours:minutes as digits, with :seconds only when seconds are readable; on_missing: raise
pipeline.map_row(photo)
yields 5:45
